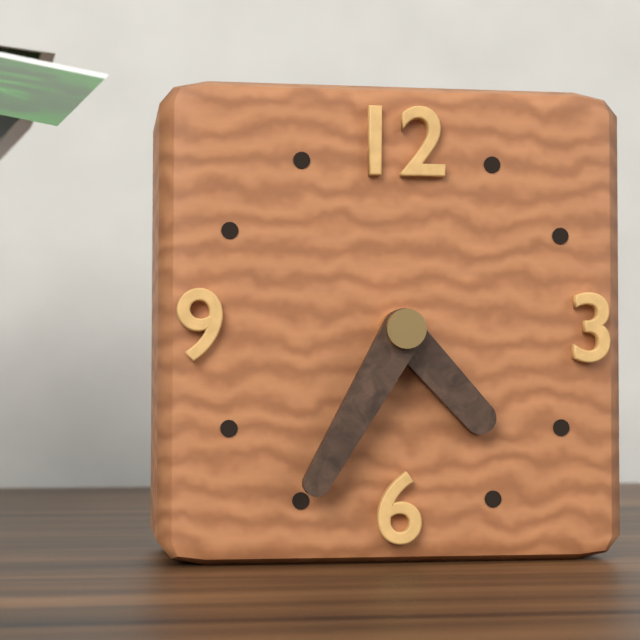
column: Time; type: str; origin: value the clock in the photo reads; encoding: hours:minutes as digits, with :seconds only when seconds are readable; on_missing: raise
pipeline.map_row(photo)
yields 4:35
